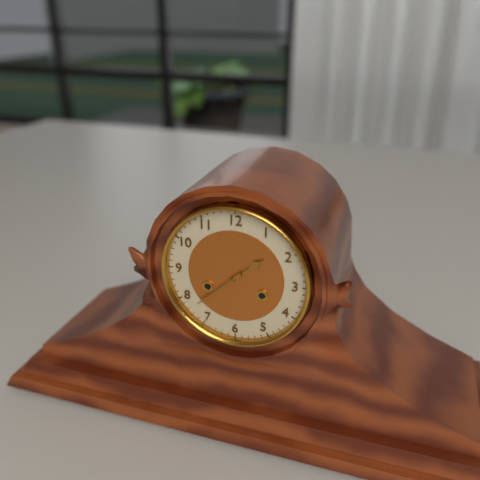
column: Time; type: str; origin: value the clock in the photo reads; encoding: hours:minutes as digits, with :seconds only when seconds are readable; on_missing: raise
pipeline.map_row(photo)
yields 1:38
